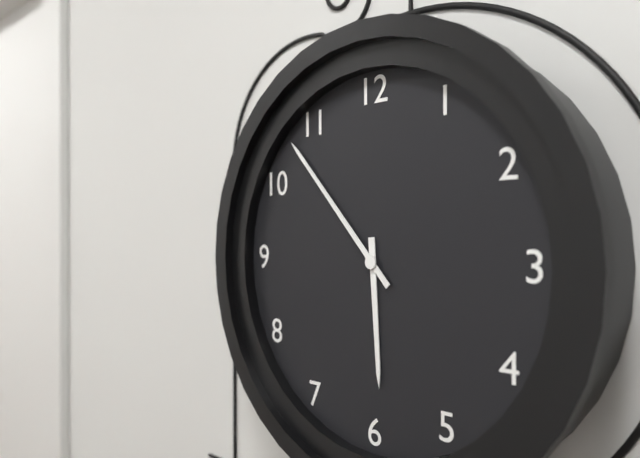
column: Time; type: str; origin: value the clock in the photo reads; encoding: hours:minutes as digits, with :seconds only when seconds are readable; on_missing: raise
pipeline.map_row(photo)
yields 5:53
